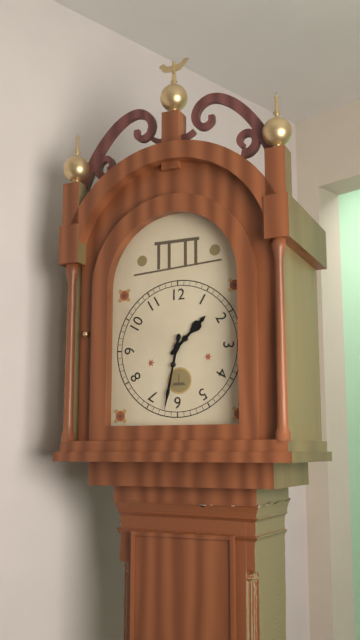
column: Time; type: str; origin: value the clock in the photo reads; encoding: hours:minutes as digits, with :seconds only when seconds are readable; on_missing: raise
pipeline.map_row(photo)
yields 1:32
